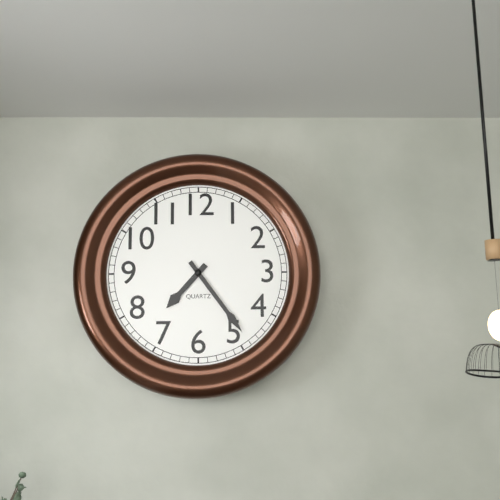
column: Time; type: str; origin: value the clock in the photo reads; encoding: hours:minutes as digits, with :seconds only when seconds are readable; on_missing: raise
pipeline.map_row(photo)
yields 7:24
